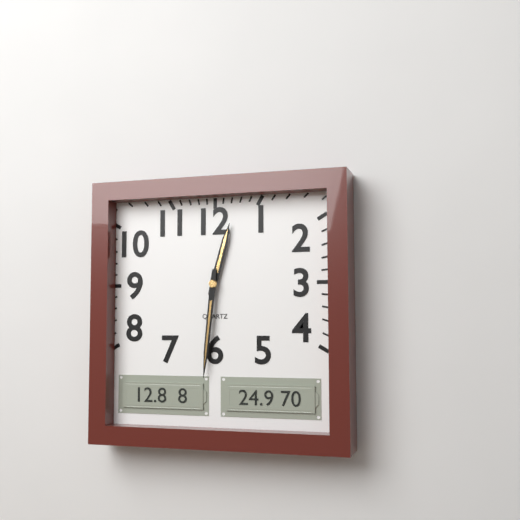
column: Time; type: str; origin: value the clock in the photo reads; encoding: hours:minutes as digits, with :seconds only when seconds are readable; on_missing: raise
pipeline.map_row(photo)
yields 12:31
